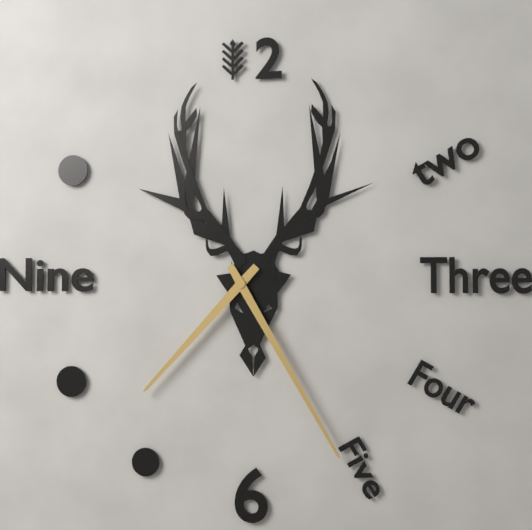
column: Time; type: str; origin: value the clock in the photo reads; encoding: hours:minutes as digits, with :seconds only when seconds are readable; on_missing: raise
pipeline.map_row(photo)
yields 7:25
